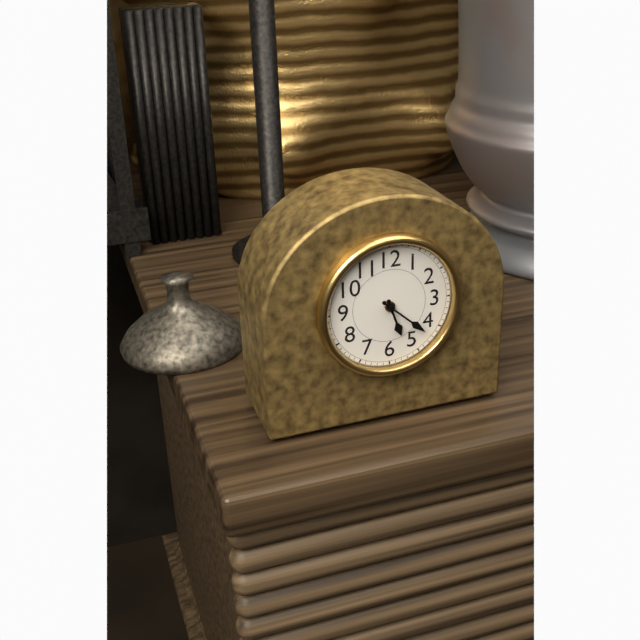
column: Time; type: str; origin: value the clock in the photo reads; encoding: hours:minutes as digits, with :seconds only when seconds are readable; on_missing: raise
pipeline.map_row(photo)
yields 5:22
